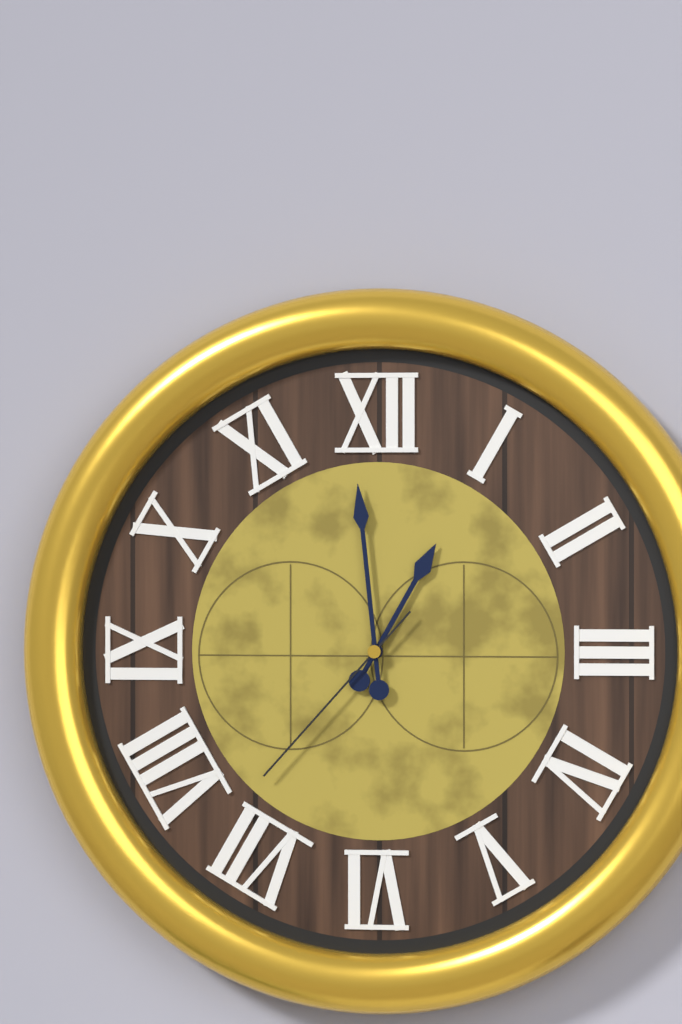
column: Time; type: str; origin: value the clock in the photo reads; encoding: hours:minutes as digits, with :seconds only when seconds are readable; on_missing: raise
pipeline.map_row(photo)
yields 12:59:37
